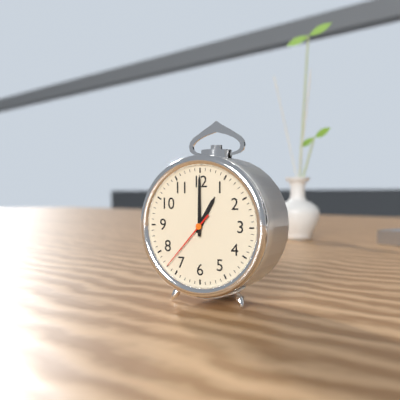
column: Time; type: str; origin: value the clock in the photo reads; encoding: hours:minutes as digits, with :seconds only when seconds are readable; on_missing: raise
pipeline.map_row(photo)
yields 1:00:37
